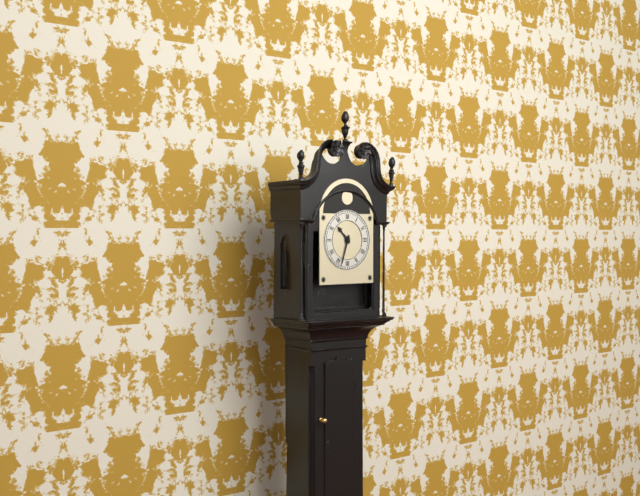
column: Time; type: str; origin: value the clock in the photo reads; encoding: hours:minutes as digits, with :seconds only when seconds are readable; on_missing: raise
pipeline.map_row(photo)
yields 10:33
